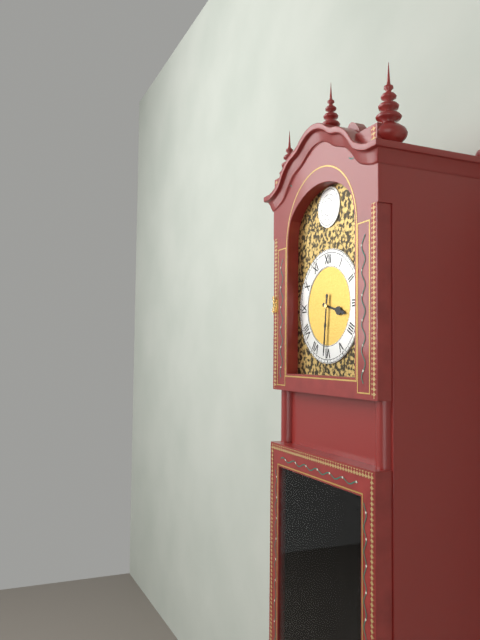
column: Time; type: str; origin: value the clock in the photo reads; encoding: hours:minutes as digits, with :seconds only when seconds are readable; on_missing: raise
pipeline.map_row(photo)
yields 3:31
